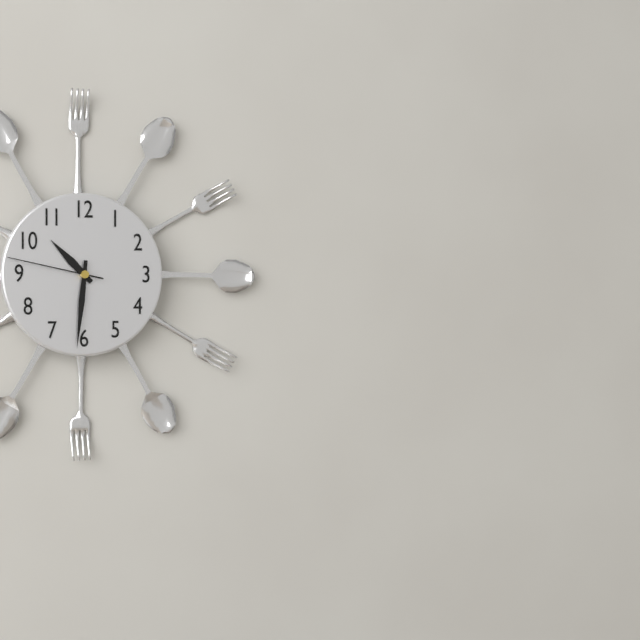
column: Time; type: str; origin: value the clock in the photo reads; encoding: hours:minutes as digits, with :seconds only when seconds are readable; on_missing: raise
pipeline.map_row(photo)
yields 10:31:47
